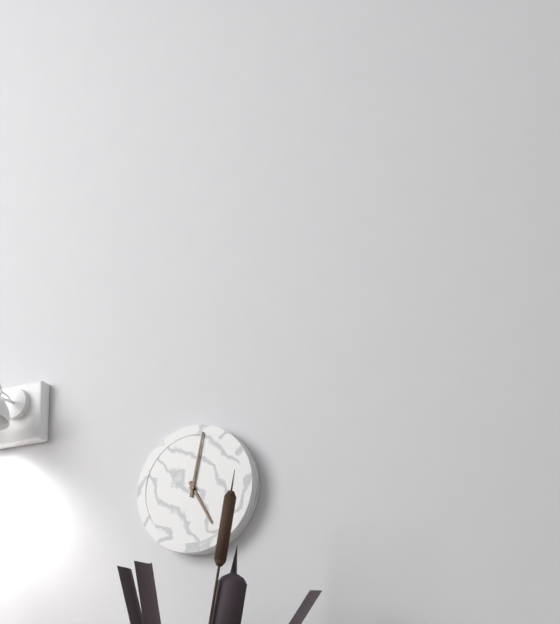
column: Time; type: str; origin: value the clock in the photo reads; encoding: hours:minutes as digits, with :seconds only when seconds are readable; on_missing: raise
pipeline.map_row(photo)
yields 5:02
